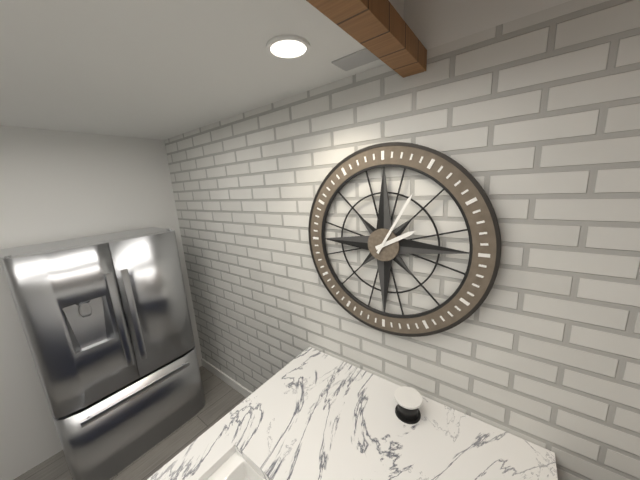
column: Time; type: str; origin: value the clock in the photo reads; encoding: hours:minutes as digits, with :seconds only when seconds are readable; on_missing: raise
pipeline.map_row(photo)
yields 2:05
